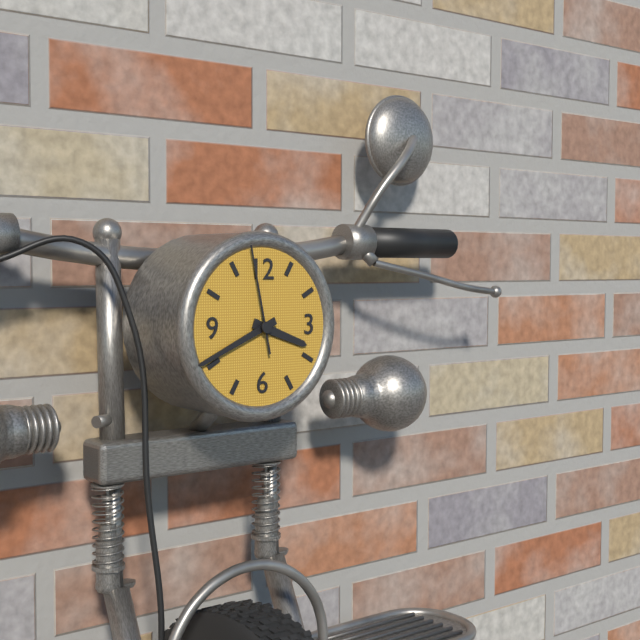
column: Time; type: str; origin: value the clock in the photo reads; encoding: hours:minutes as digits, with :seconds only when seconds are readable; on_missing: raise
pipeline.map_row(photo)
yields 3:41:58
